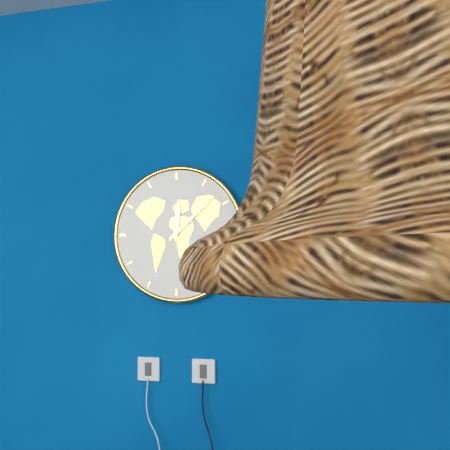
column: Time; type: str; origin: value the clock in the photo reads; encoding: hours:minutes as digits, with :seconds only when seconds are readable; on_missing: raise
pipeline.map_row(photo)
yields 12:08
